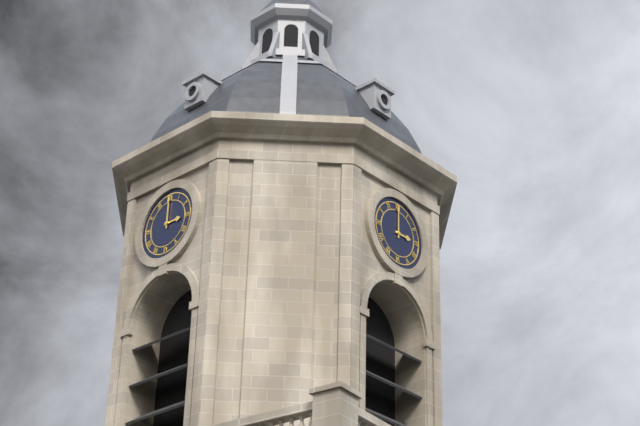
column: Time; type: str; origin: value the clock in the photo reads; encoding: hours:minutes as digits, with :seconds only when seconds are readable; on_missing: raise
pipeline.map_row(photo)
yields 3:00
